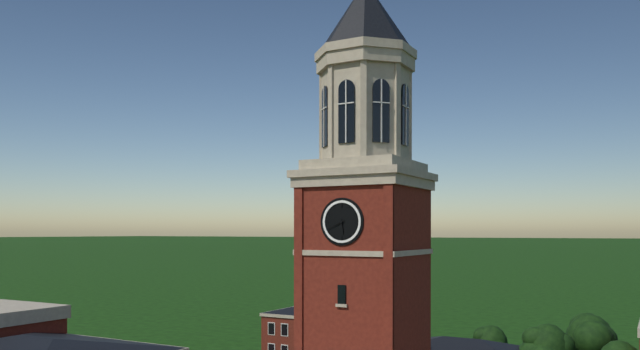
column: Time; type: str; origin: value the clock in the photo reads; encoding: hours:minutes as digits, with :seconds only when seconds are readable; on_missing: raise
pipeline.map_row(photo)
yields 5:41
